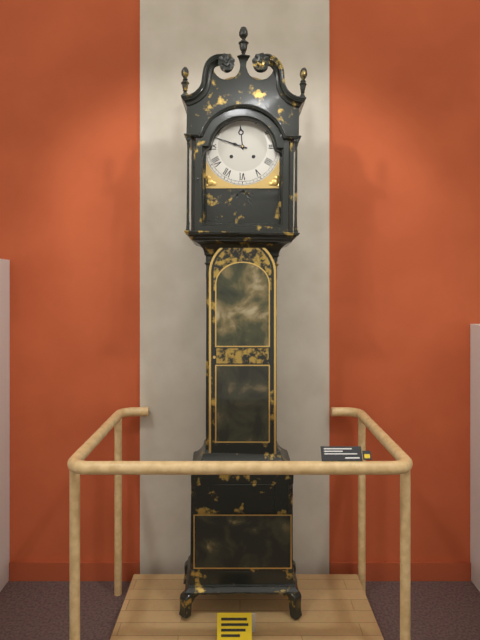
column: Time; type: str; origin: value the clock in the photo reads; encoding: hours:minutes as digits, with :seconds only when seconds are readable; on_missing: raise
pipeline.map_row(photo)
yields 11:48
